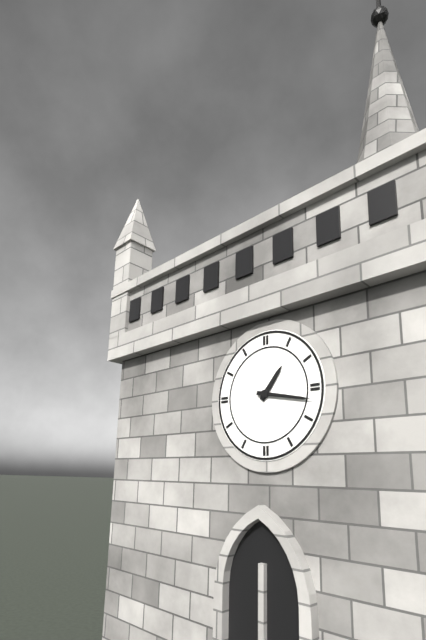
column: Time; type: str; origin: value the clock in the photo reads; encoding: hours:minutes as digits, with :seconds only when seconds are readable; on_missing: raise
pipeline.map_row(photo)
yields 1:17
